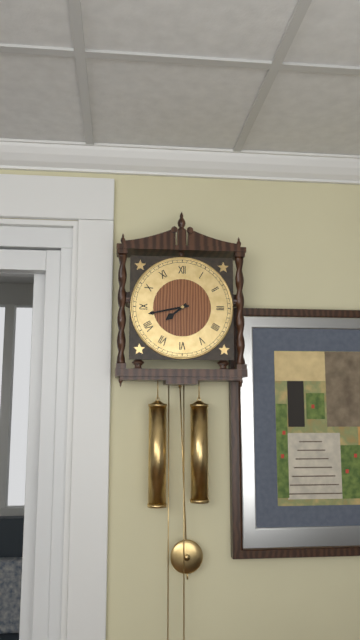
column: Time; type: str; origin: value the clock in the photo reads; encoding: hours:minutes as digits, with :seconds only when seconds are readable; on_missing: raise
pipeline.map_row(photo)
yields 7:43
